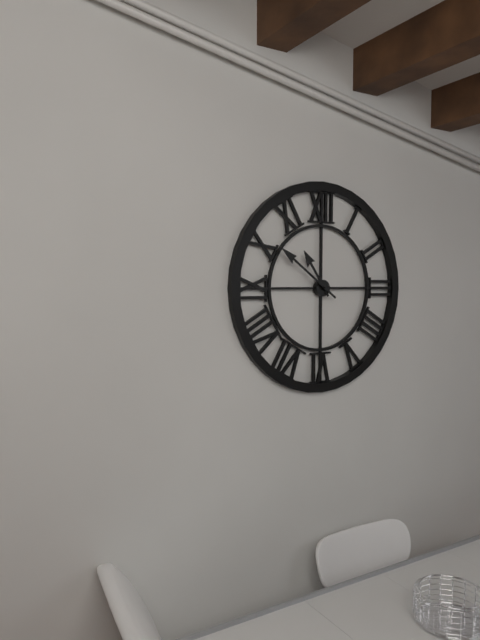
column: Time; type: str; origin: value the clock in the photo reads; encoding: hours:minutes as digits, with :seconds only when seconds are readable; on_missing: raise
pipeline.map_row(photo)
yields 10:51
